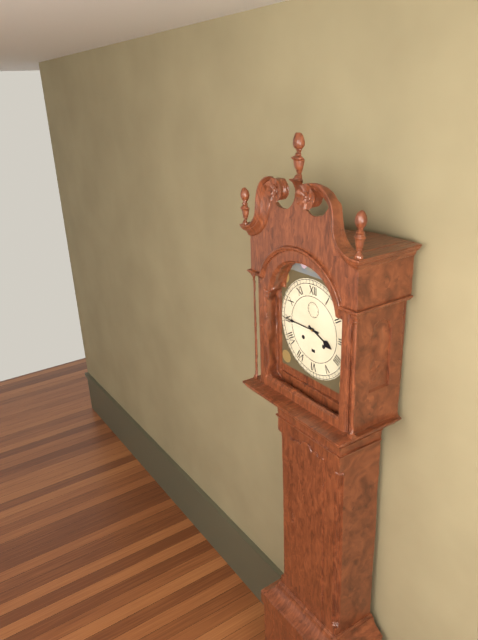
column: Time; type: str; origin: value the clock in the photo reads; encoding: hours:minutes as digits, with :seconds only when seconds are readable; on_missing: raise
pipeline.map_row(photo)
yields 3:45
